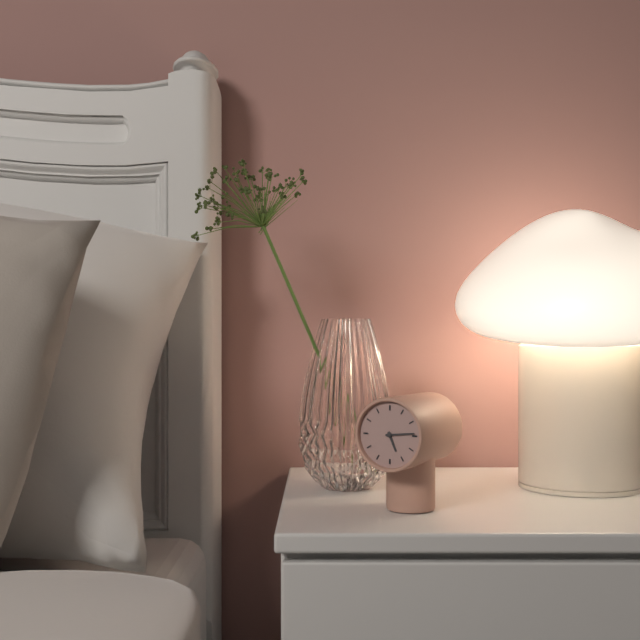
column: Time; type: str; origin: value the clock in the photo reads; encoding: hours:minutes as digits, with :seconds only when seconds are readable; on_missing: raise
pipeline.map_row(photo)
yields 5:14
